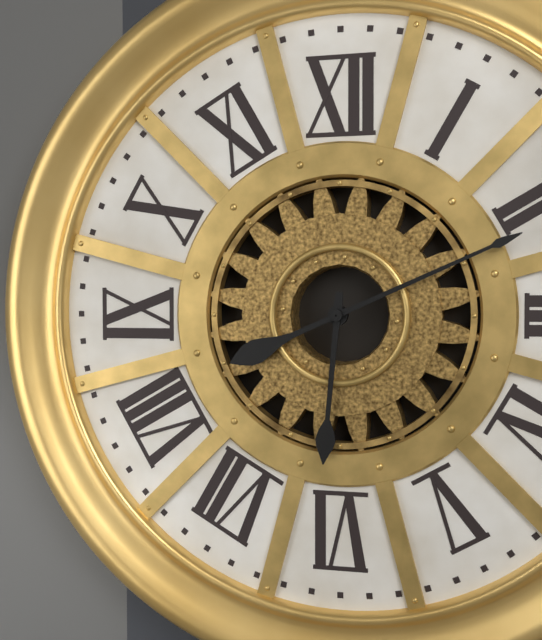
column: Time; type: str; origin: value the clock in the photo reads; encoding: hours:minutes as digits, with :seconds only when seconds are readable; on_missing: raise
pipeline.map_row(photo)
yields 6:11
